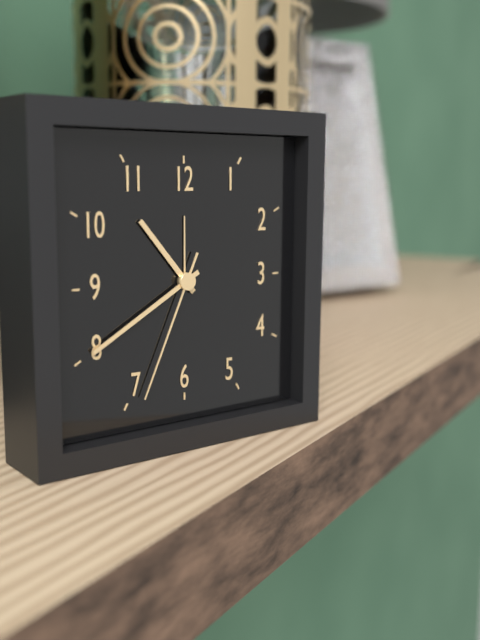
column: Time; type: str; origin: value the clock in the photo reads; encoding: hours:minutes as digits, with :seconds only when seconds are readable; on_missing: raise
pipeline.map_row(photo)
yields 10:40:34
